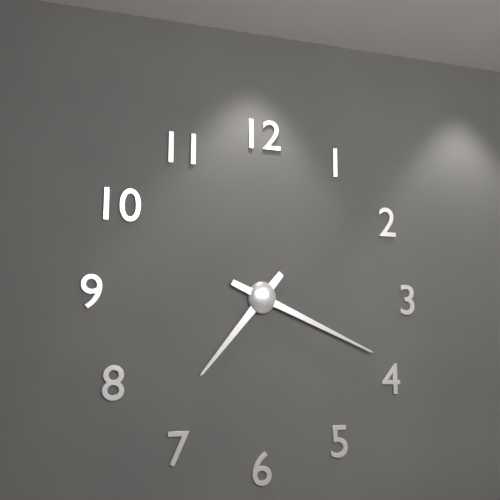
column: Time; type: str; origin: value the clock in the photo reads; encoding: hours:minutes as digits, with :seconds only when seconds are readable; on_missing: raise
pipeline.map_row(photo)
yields 7:19
